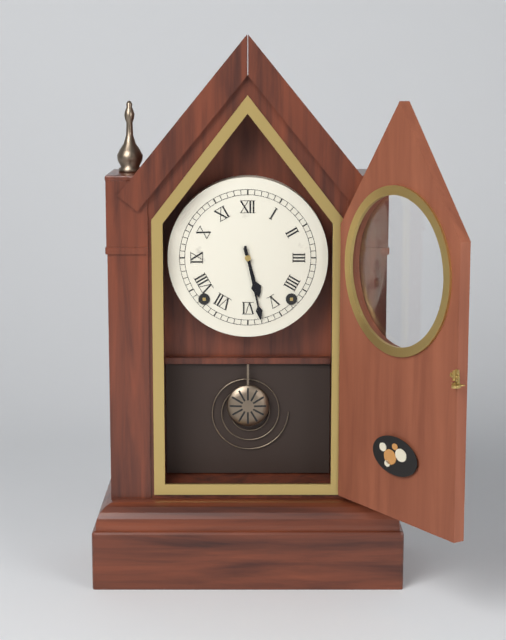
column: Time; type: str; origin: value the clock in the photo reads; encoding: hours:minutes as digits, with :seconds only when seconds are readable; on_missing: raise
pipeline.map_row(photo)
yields 5:28
